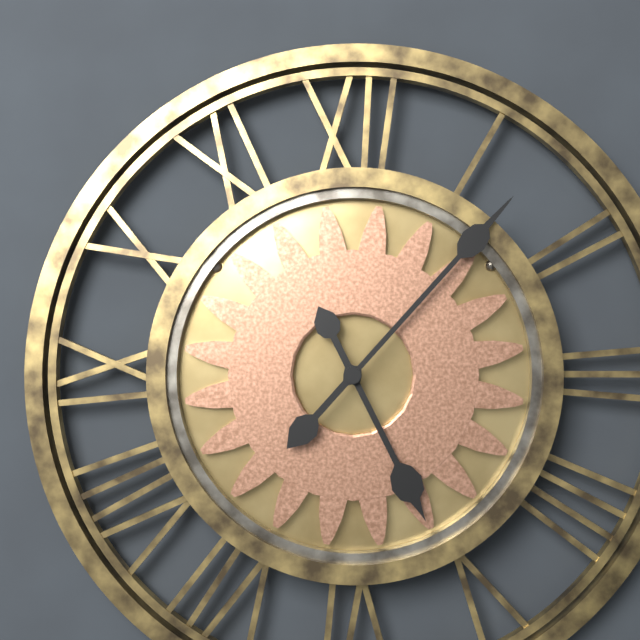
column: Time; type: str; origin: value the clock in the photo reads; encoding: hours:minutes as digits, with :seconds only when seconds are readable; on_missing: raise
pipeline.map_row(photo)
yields 5:07
